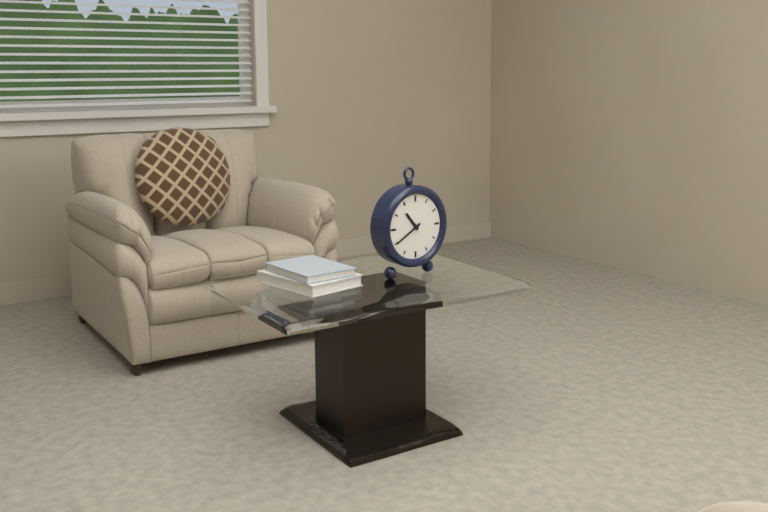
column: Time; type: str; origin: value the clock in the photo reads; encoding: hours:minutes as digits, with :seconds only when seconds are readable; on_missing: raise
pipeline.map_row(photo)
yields 10:40
